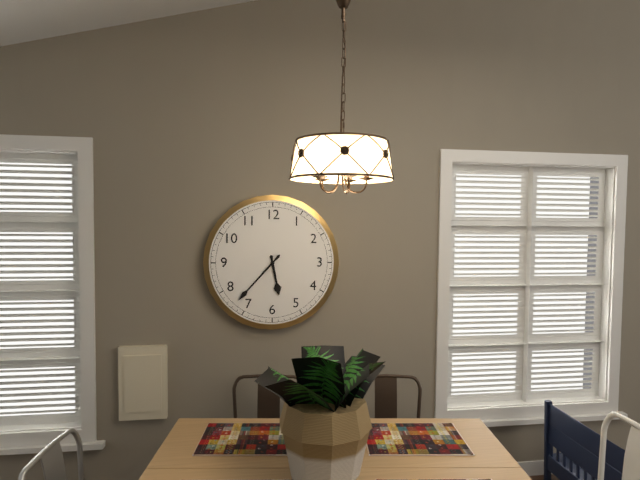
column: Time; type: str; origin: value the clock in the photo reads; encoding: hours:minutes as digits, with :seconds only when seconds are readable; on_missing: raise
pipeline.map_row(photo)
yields 5:37
